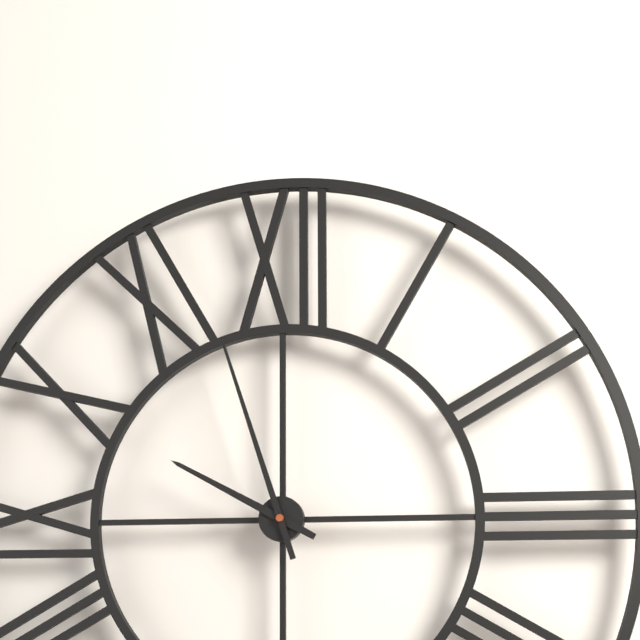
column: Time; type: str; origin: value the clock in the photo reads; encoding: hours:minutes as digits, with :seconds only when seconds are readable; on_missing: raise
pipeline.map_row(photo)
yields 9:57
